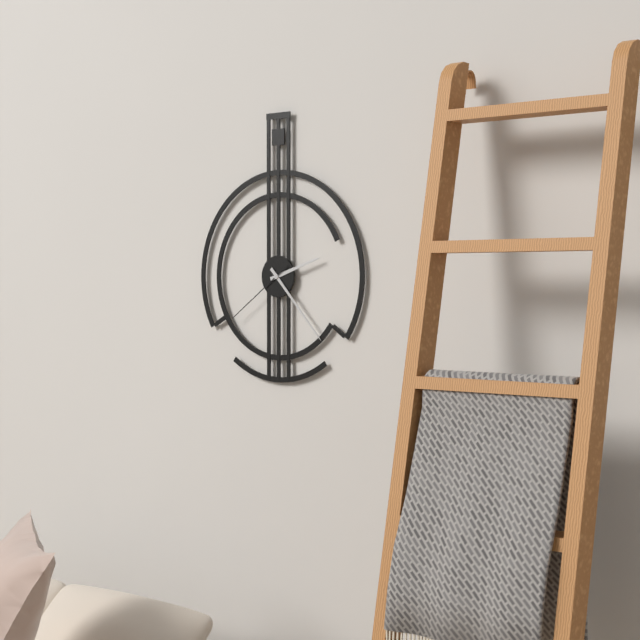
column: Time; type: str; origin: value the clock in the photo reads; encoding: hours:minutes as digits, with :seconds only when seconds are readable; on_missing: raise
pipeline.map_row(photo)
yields 2:23:39
